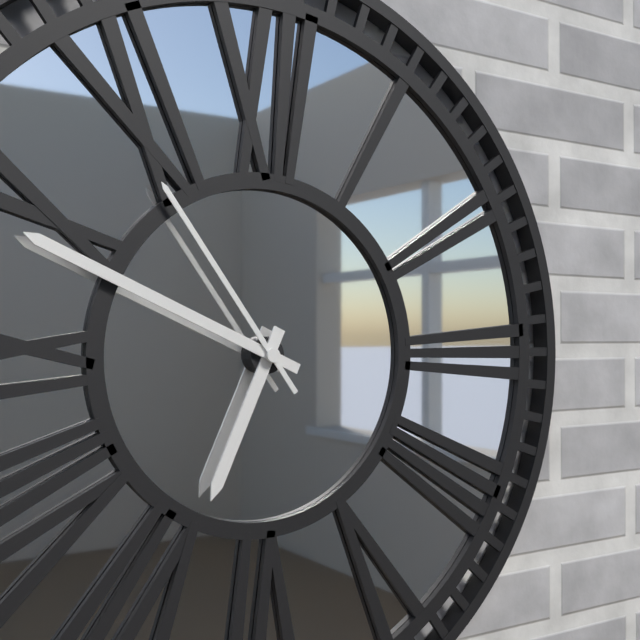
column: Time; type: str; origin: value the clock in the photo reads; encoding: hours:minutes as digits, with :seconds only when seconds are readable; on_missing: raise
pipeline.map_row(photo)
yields 6:49:54
